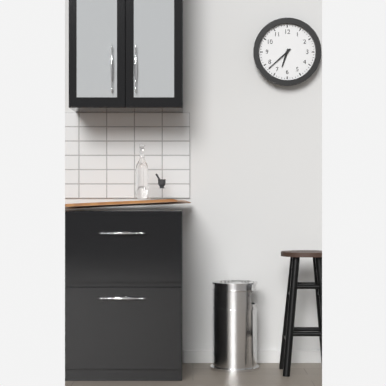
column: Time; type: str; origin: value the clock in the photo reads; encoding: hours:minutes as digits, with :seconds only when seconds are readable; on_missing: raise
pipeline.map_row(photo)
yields 6:38
